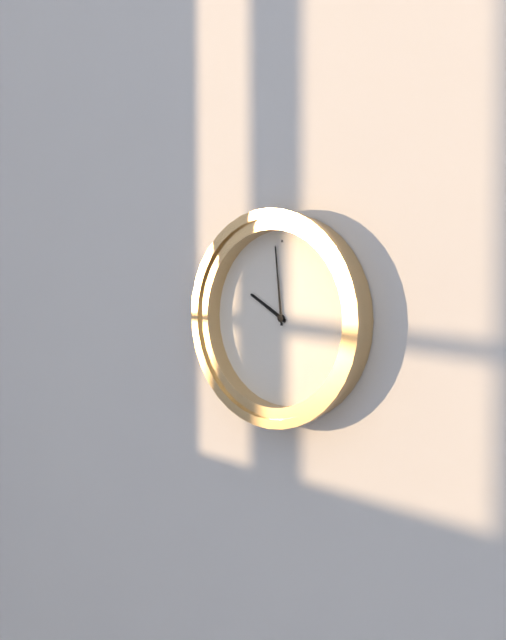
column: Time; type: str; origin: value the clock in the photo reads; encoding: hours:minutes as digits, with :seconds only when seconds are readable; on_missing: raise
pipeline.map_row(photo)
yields 9:59
